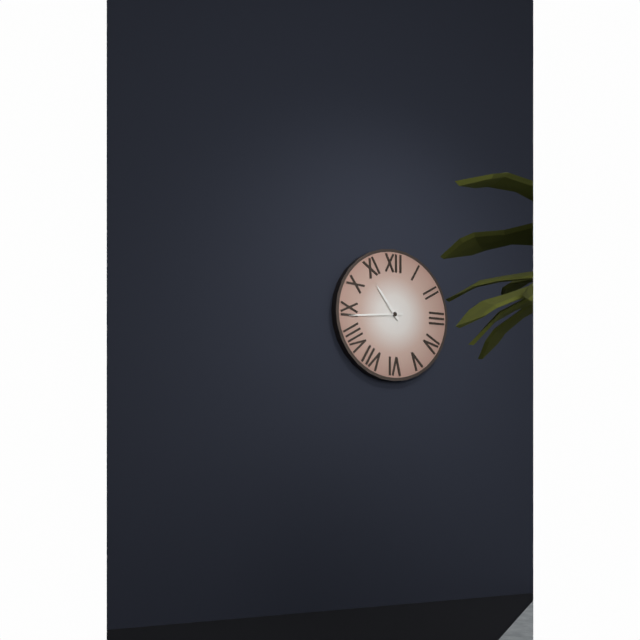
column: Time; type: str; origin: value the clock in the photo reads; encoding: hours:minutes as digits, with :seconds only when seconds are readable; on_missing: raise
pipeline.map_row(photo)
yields 10:44
